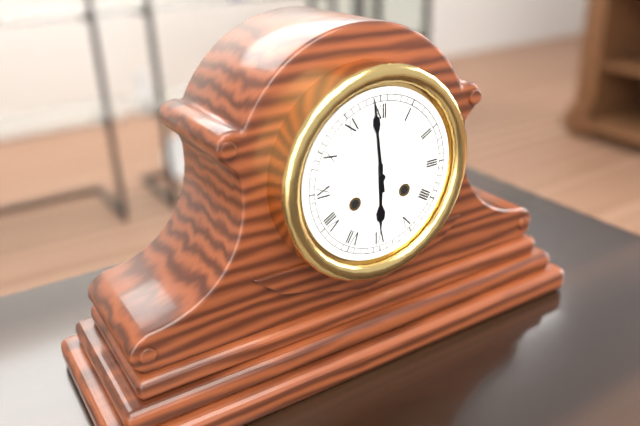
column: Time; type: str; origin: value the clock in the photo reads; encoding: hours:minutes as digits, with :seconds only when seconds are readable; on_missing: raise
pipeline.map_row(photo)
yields 5:59
